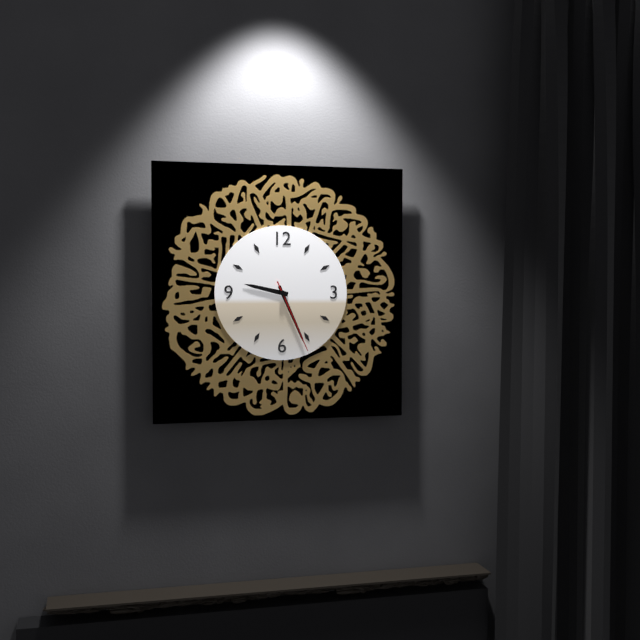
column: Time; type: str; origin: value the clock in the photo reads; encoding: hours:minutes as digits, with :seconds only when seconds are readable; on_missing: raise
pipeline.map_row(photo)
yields 9:26:26
